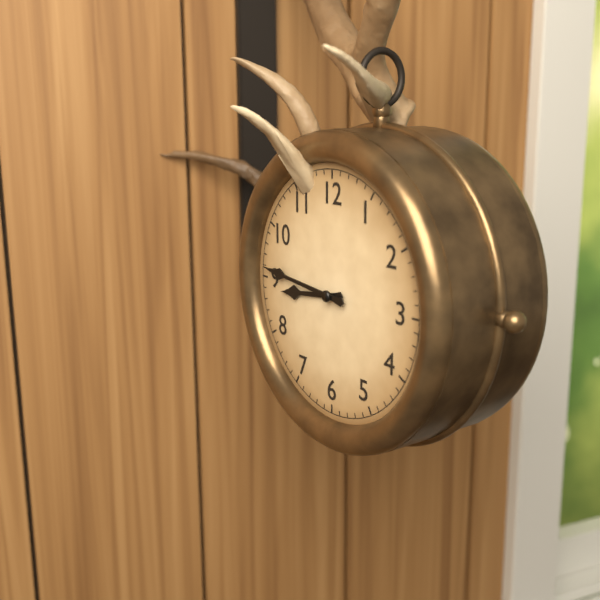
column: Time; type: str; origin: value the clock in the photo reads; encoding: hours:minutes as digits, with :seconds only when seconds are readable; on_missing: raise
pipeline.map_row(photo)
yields 8:46
